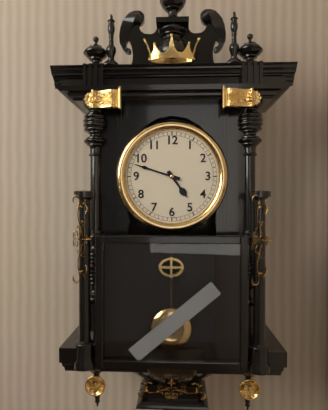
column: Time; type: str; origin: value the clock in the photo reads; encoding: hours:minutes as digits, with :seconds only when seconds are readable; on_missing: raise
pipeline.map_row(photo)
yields 4:48
